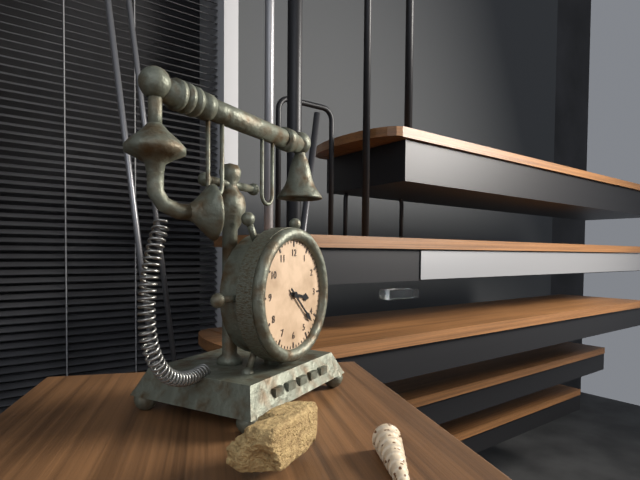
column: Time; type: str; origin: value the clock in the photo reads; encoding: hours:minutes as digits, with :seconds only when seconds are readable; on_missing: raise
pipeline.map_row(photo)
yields 3:22
